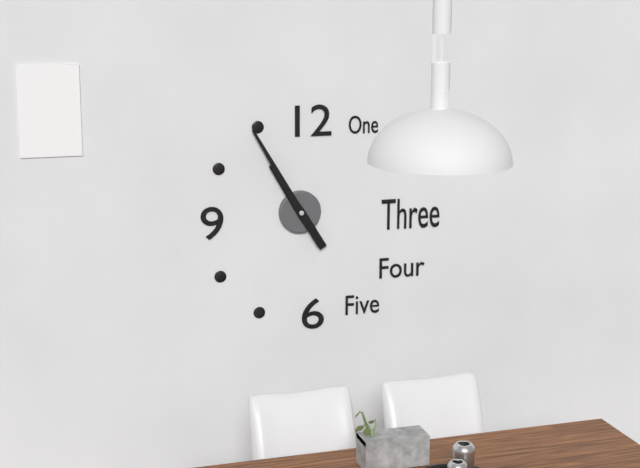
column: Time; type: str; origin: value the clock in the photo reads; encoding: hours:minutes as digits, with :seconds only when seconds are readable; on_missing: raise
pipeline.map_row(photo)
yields 10:55
